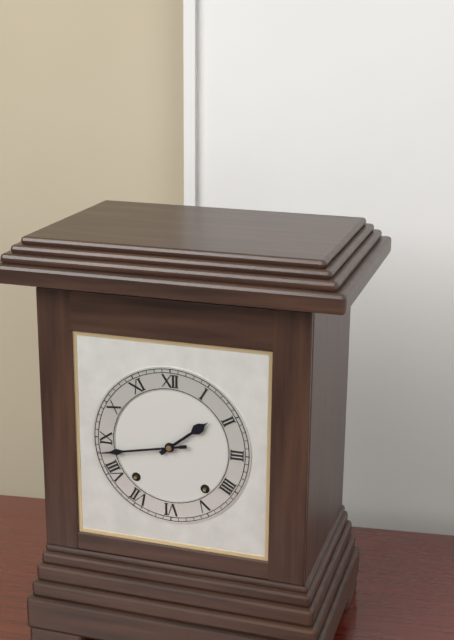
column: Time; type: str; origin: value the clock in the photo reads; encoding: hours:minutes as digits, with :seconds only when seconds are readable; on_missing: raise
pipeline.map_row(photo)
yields 1:43
